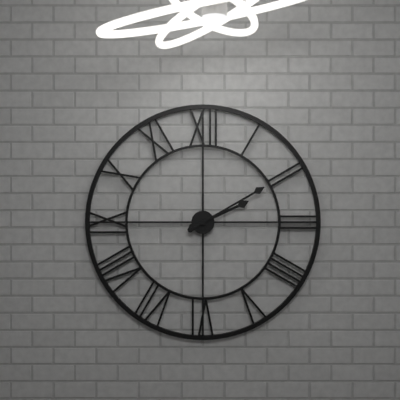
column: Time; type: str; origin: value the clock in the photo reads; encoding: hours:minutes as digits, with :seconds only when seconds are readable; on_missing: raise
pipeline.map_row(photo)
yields 2:10
